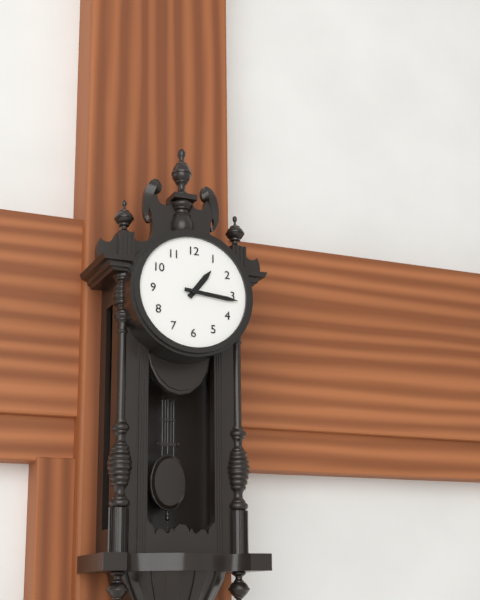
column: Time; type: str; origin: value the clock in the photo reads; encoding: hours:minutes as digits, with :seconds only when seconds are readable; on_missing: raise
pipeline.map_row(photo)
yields 1:16
